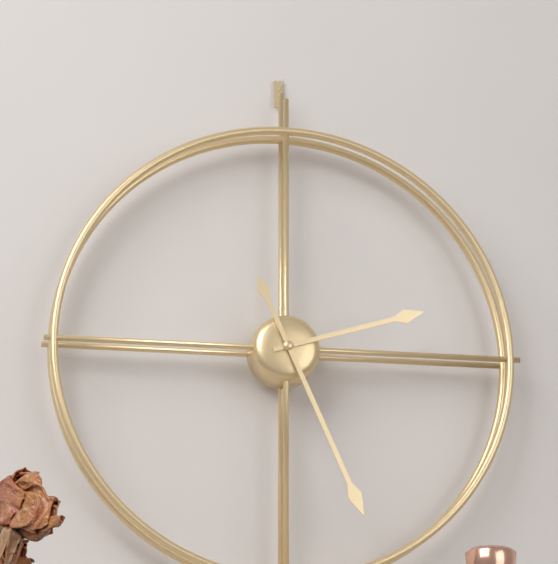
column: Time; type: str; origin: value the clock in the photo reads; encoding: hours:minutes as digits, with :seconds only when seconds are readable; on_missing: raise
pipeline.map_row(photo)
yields 2:26
